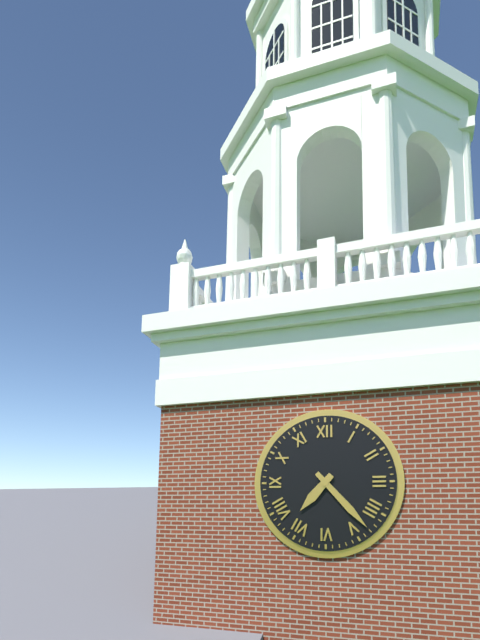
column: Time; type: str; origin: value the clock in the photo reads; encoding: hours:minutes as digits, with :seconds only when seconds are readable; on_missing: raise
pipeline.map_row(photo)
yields 7:23
